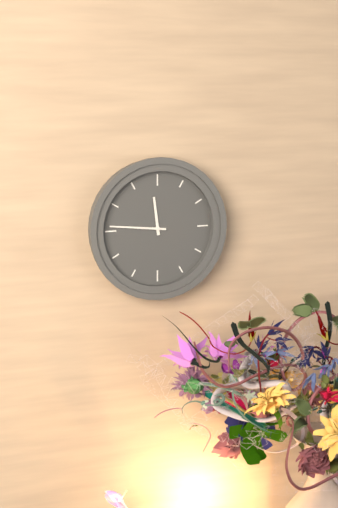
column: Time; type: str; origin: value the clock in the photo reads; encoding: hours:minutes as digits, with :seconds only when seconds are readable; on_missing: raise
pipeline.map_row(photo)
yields 11:46
